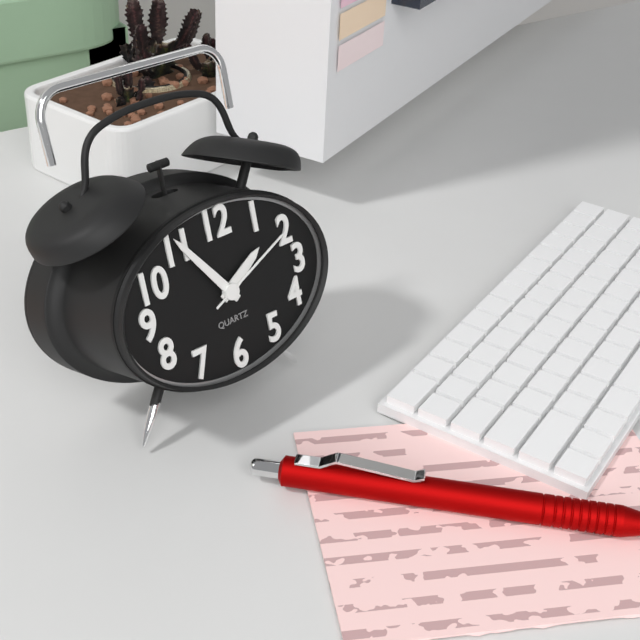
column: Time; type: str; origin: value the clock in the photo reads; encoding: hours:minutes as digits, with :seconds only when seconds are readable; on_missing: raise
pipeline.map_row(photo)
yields 1:54:11
